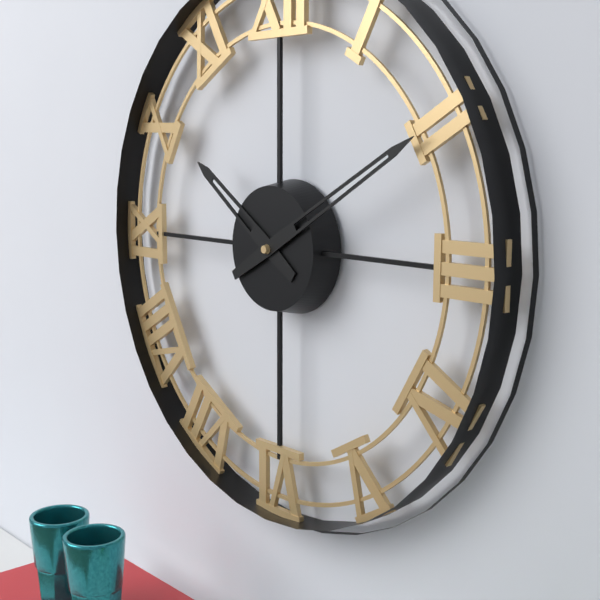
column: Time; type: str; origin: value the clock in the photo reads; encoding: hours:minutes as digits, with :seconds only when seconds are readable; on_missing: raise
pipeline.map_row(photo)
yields 10:10
